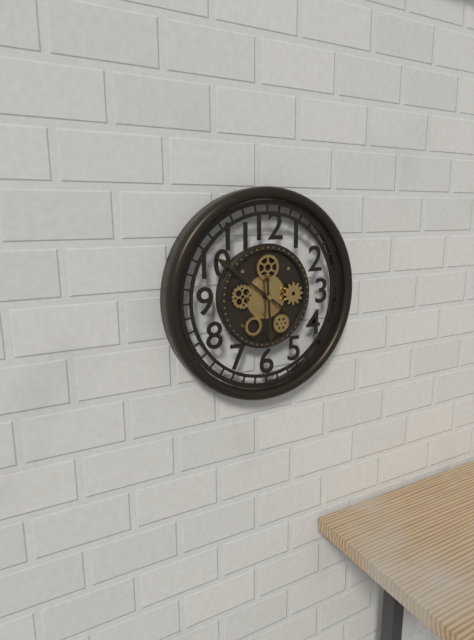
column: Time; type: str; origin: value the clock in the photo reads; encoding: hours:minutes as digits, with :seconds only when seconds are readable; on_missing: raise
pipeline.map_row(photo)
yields 5:51
